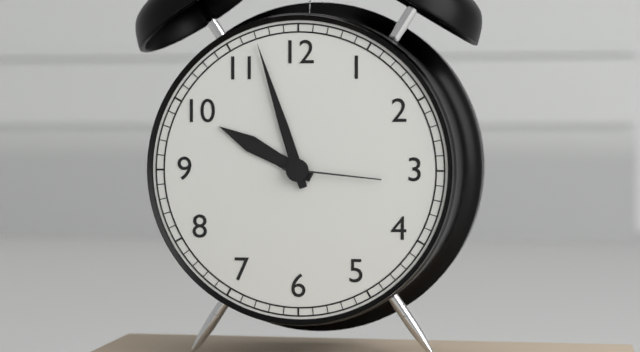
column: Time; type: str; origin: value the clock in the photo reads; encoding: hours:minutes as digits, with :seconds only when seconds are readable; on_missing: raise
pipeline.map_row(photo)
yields 9:57:16
